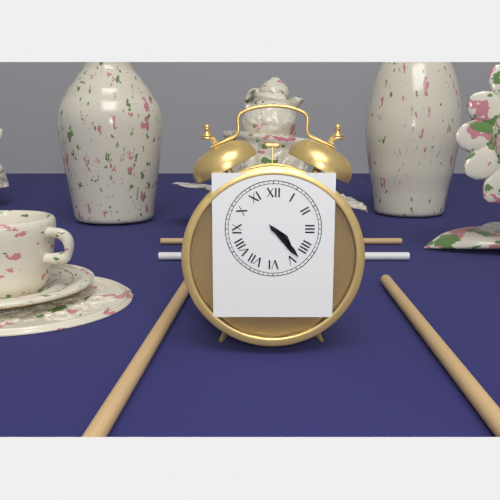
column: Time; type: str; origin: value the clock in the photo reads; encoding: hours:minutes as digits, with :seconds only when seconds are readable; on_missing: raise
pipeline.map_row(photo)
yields 4:23
